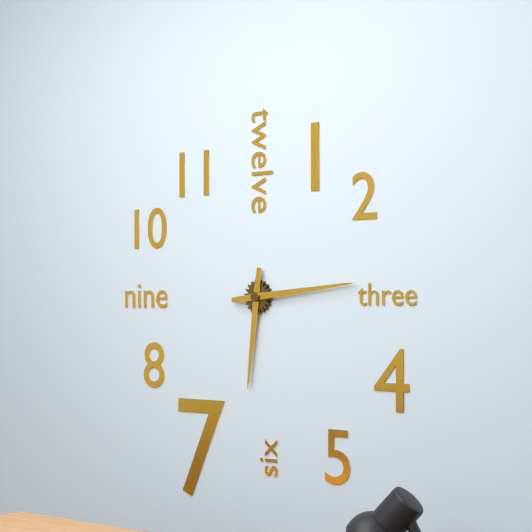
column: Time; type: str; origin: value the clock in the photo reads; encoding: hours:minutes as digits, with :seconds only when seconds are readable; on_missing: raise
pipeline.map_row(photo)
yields 6:14
